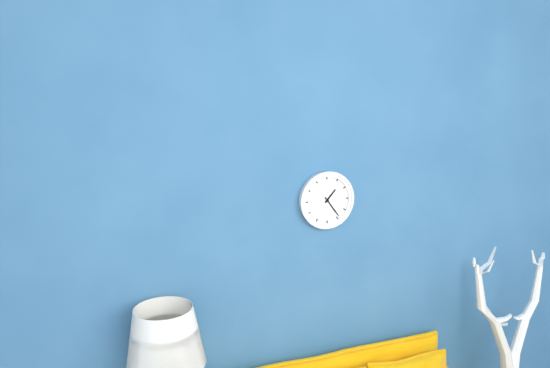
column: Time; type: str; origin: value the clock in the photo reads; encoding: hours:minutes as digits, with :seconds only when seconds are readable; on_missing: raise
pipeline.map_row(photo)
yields 1:24
